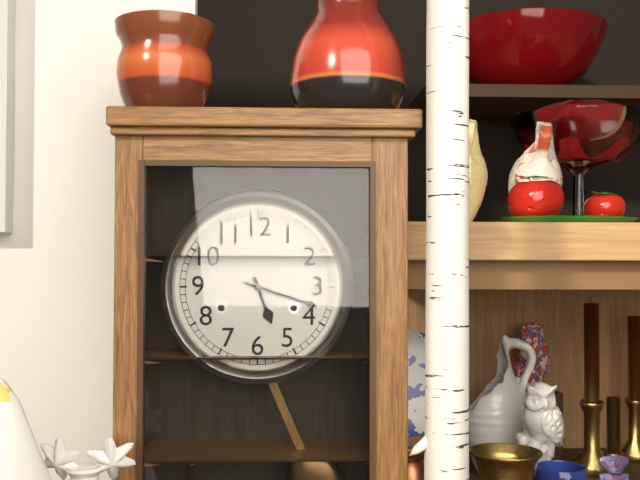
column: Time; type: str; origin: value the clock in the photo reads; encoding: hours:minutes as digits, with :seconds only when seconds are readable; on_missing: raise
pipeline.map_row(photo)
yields 5:18
